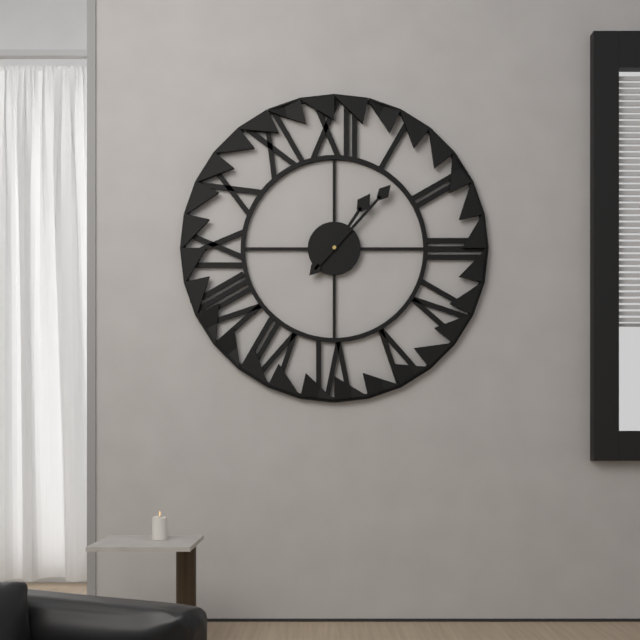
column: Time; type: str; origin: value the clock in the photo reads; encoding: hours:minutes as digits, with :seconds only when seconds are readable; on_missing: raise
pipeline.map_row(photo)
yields 1:07
